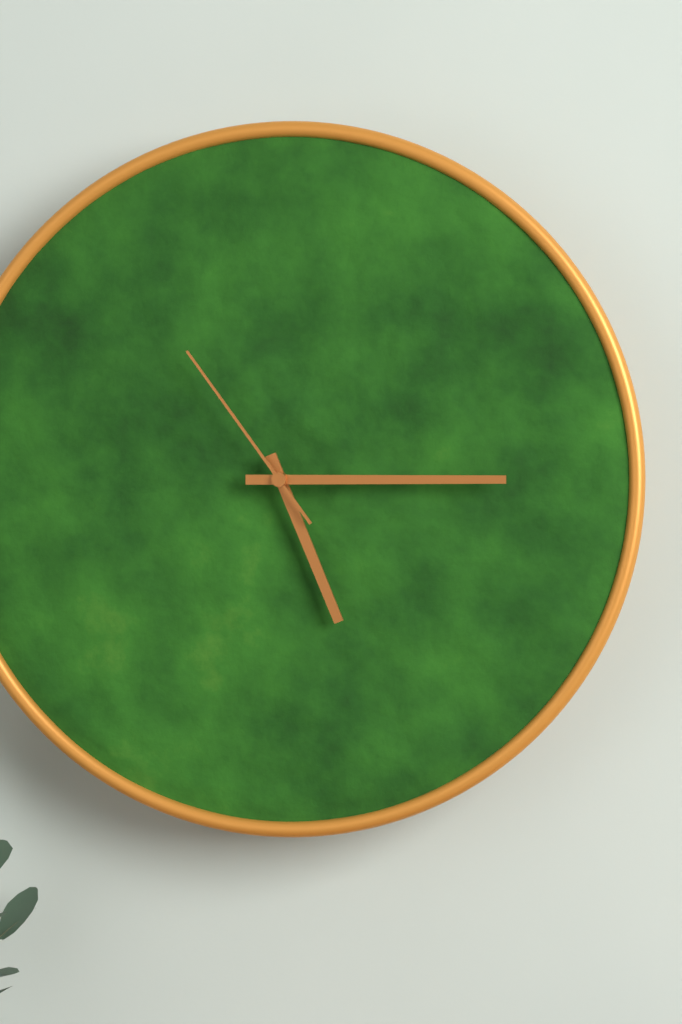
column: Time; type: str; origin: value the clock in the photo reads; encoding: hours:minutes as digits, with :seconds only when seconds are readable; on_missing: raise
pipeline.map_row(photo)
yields 5:15:54
